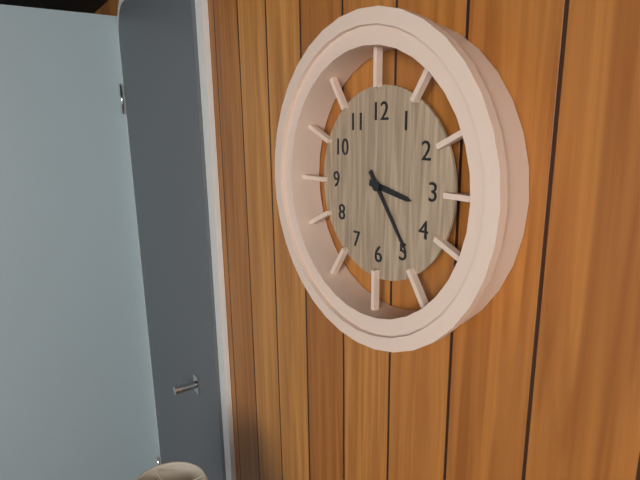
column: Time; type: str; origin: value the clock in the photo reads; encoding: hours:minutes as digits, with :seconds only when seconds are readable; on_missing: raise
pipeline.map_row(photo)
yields 3:24
